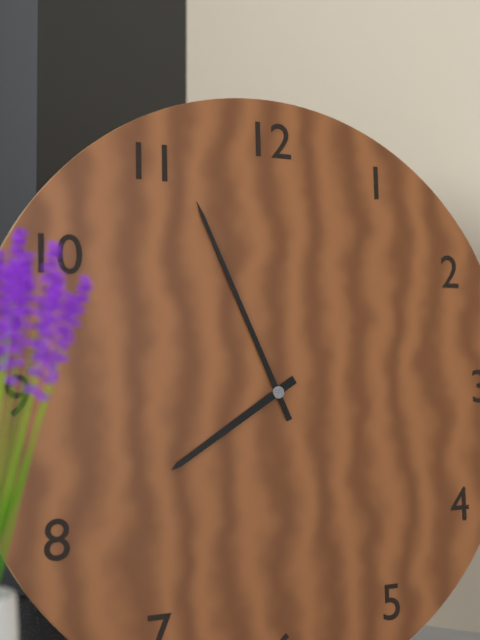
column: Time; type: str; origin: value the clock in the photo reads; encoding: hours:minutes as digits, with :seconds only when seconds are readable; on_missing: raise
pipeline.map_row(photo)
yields 7:56
